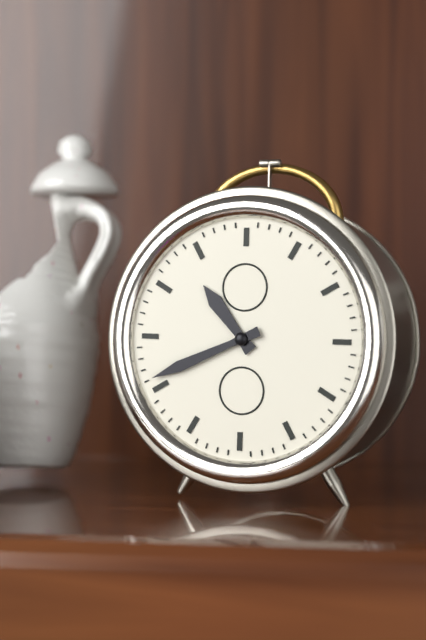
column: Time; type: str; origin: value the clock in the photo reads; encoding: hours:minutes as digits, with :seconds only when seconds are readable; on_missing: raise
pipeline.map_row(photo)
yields 10:41
